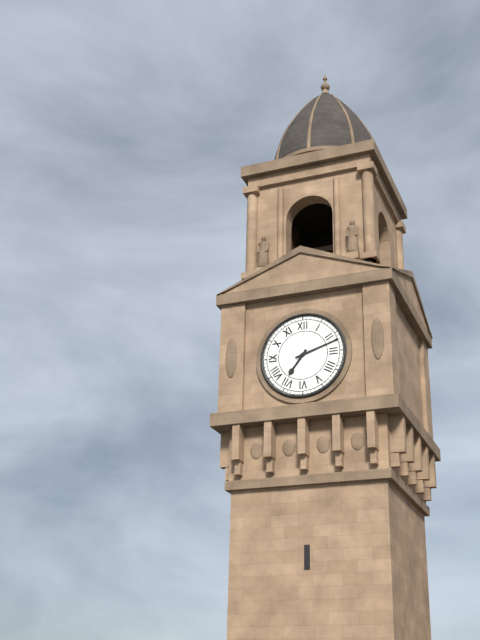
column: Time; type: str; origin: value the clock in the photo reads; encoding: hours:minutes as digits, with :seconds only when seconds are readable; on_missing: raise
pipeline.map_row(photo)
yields 7:12
